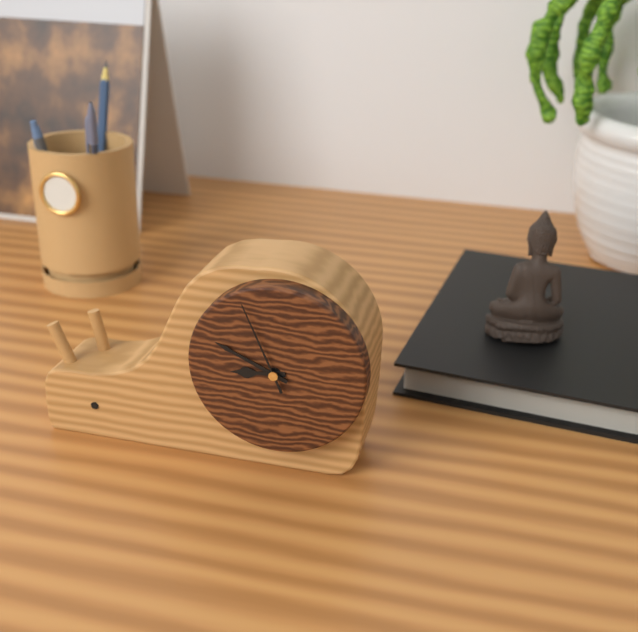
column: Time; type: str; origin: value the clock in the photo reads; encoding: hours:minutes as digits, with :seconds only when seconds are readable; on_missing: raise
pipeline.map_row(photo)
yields 8:49:56
